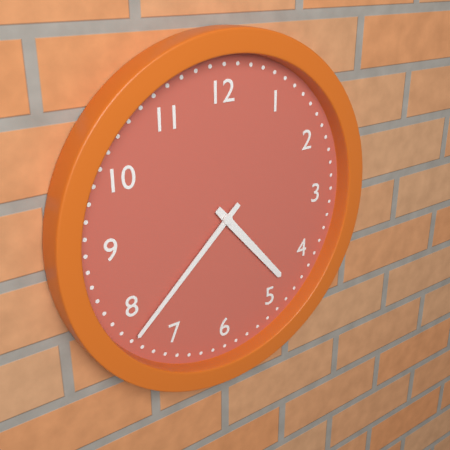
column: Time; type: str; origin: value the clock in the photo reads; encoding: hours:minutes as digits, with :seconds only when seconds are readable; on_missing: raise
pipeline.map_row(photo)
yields 4:38
